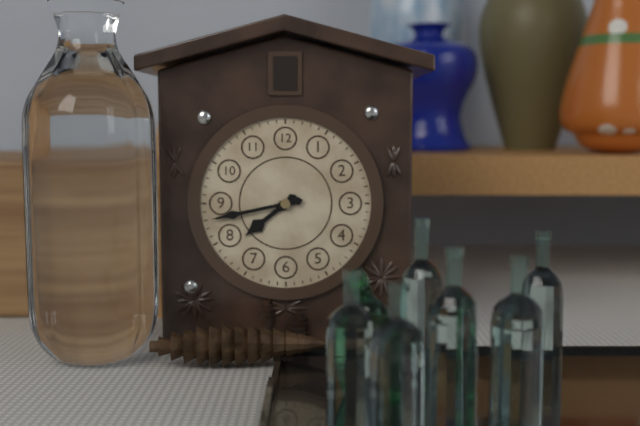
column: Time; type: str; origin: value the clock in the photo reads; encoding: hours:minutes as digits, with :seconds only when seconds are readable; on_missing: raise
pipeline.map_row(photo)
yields 7:43
